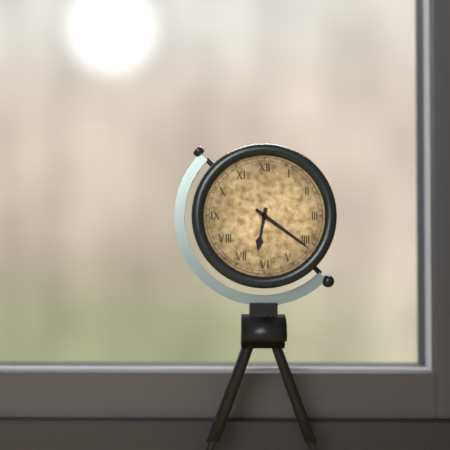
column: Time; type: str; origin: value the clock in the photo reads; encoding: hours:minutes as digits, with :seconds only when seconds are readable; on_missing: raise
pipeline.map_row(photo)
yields 6:21
